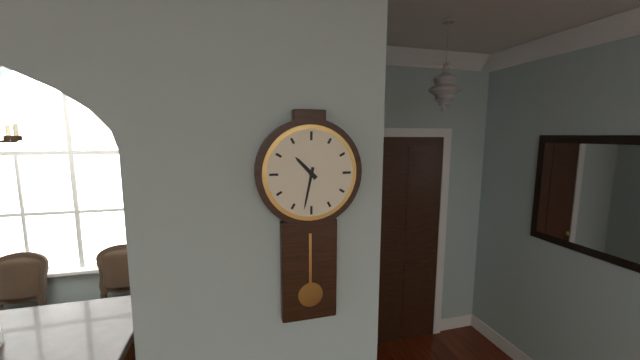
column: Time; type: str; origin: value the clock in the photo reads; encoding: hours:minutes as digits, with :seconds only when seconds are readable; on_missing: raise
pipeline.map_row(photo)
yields 10:32
